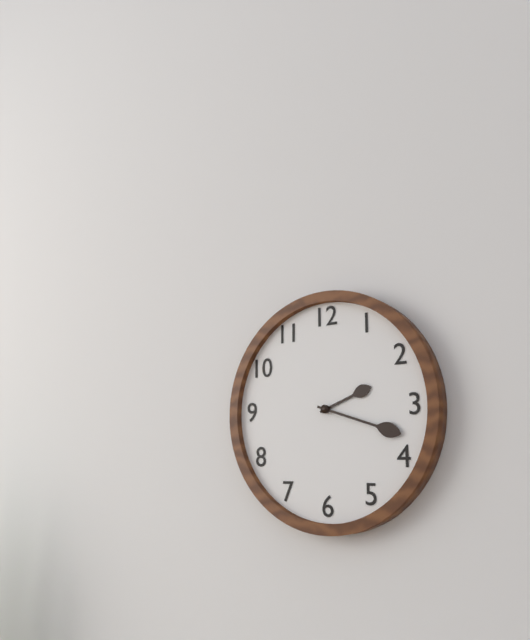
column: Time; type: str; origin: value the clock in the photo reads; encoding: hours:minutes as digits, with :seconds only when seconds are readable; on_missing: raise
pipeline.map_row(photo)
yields 2:18
